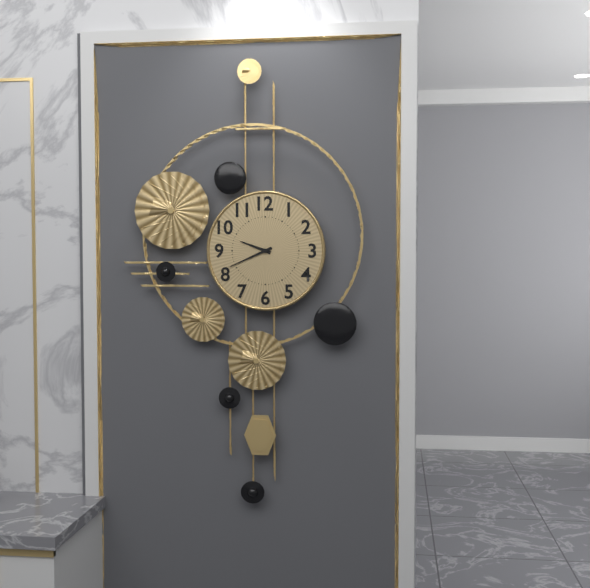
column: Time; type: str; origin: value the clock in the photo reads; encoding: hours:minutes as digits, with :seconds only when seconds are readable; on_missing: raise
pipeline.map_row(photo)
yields 9:41
